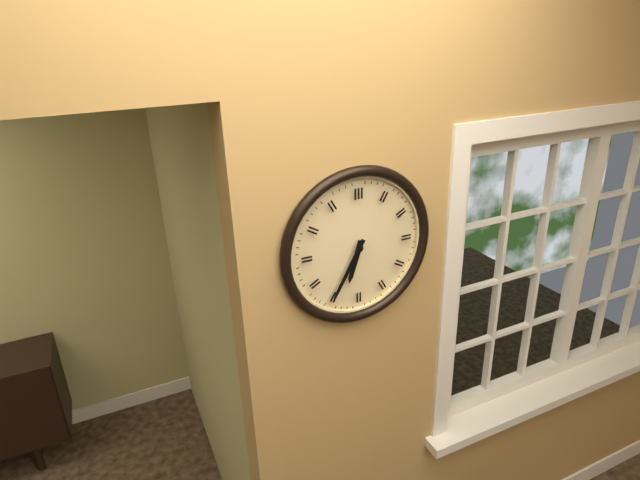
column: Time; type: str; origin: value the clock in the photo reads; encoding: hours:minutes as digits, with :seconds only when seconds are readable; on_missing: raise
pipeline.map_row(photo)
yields 6:35
